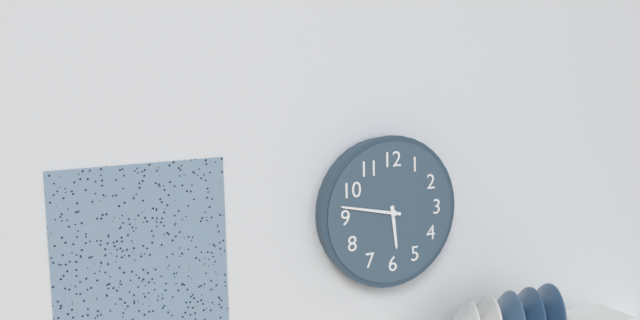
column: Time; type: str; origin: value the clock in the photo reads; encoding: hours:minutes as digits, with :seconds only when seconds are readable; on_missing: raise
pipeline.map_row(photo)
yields 5:47
